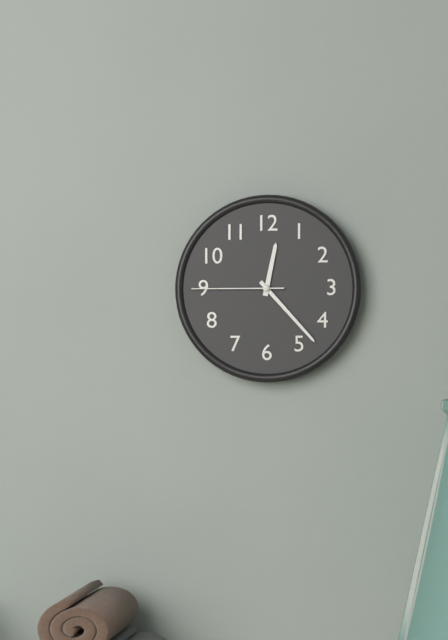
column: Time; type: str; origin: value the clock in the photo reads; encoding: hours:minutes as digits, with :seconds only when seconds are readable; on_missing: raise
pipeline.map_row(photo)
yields 12:23:45
